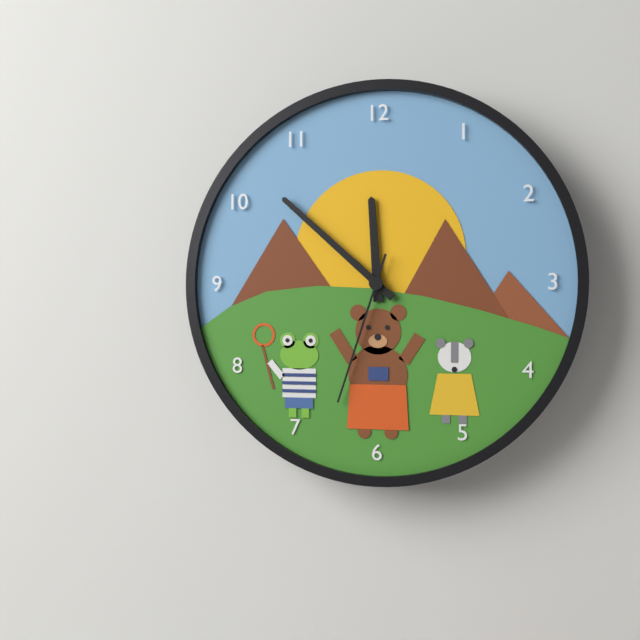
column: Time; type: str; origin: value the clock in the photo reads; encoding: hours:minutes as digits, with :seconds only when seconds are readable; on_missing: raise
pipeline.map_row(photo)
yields 11:52:33
